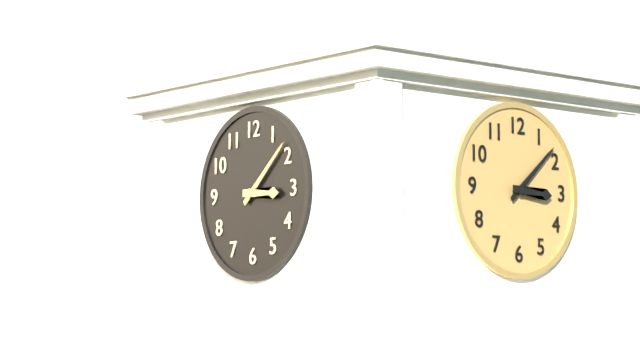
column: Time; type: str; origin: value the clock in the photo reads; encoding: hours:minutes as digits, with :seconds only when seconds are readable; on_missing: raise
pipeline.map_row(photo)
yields 3:08
